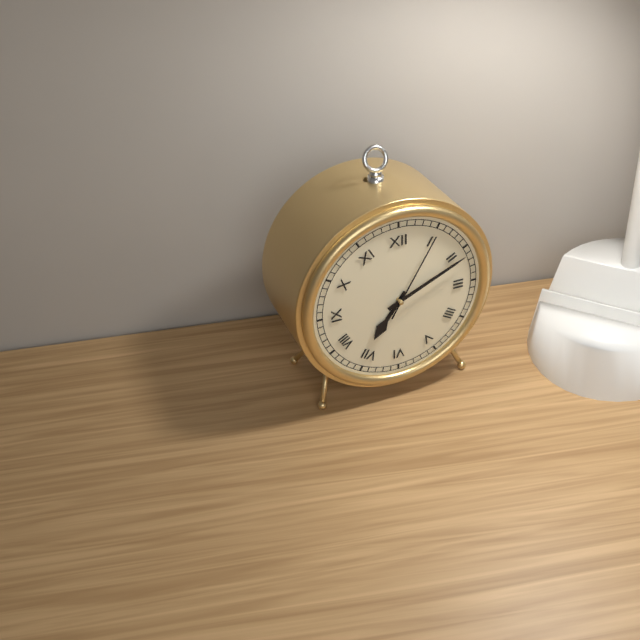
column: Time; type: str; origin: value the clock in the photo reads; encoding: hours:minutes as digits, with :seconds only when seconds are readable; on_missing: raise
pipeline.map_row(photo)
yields 7:11:05
